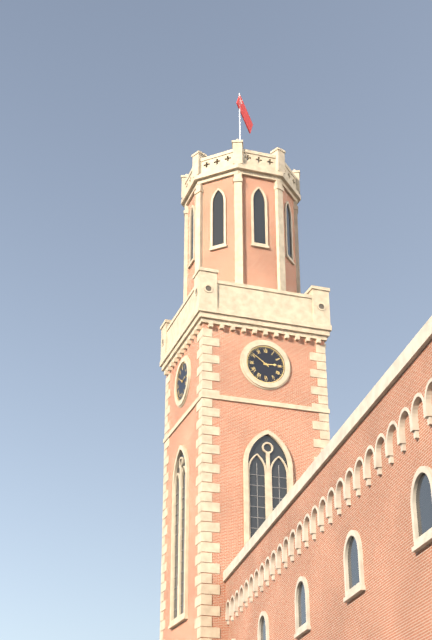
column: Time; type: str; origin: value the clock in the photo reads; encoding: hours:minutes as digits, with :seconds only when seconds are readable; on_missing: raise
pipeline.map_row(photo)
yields 2:51
